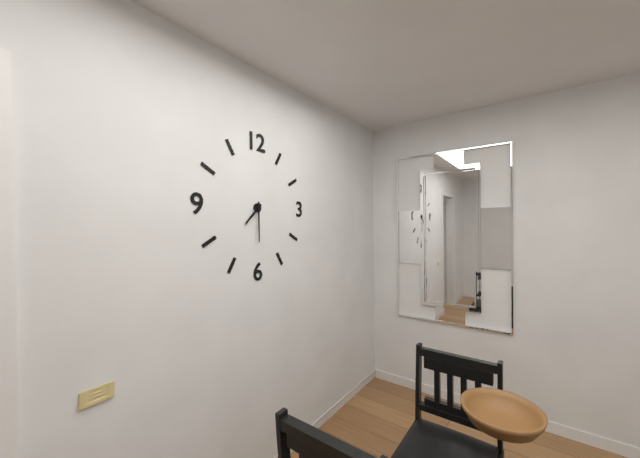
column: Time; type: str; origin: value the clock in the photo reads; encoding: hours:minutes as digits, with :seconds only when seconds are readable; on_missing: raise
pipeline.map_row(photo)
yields 7:30
